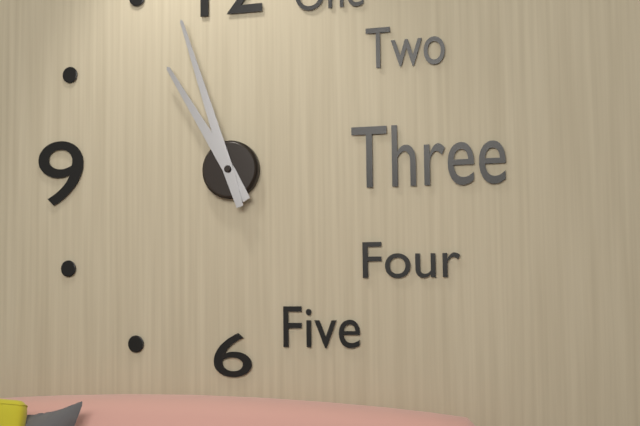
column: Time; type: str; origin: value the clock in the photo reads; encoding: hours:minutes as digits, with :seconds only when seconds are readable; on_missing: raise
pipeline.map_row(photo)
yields 10:57
